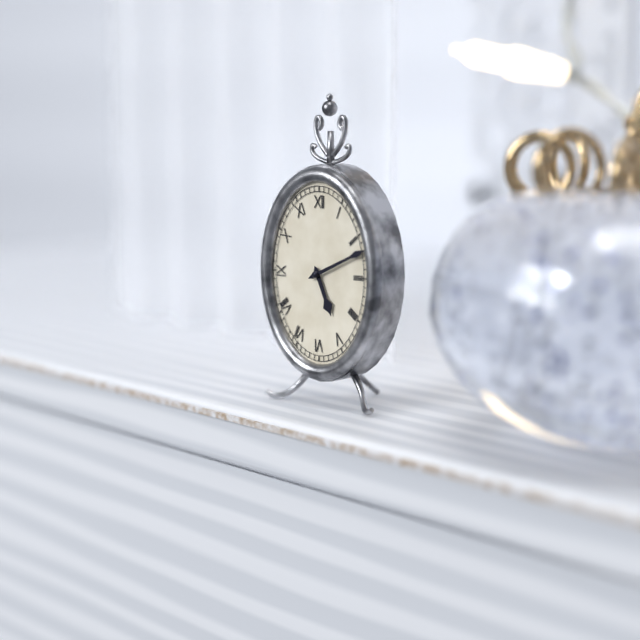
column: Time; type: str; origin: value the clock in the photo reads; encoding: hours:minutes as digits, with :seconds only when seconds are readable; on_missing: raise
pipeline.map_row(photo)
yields 5:11
